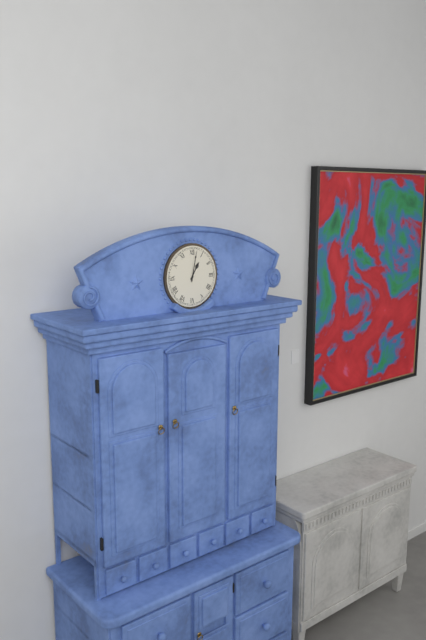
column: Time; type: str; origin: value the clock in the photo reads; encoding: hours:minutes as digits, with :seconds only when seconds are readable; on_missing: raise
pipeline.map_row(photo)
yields 1:02
